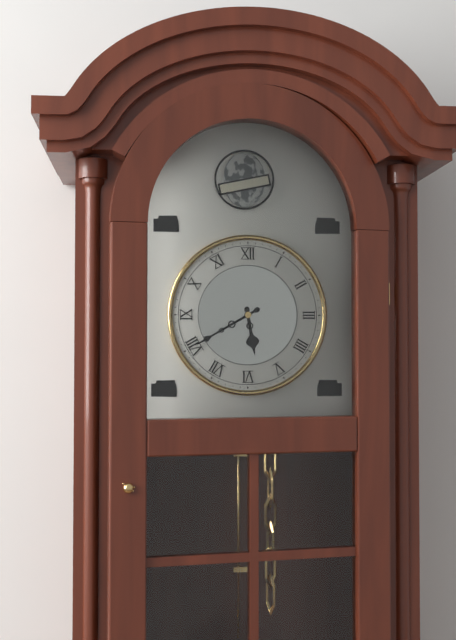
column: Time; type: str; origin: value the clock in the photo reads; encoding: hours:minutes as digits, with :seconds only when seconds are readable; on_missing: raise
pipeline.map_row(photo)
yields 5:40
